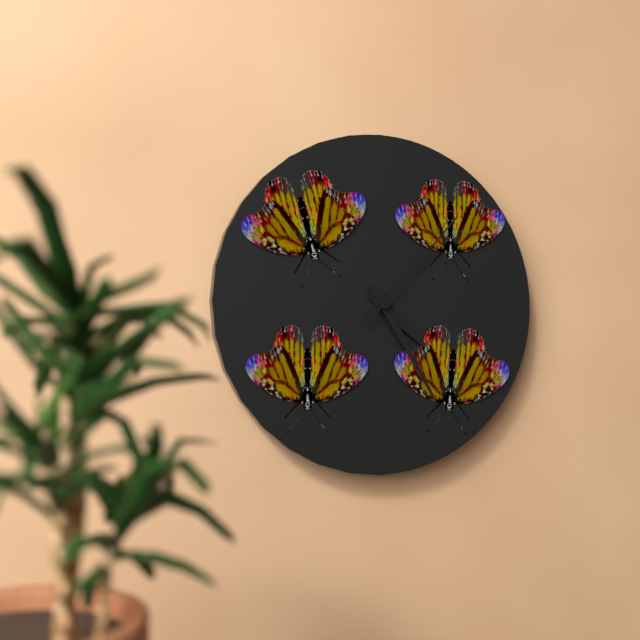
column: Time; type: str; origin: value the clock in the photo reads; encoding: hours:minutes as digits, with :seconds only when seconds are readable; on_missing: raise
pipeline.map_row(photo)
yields 4:25:07
